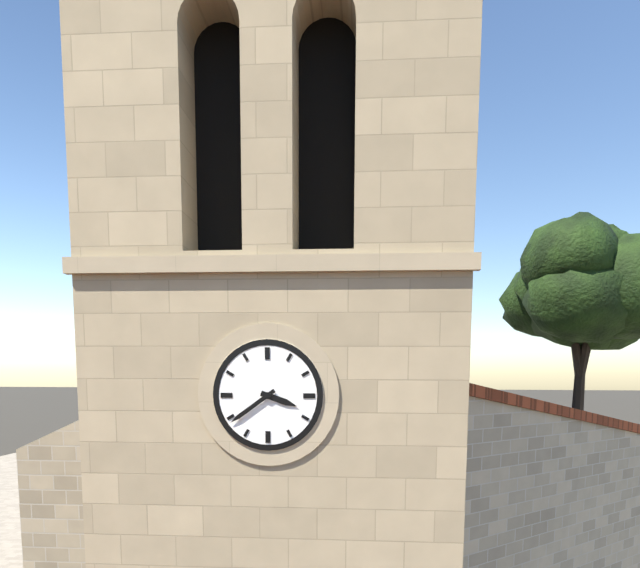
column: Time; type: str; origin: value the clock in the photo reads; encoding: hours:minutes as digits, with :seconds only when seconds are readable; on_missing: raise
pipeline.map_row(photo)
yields 3:39
